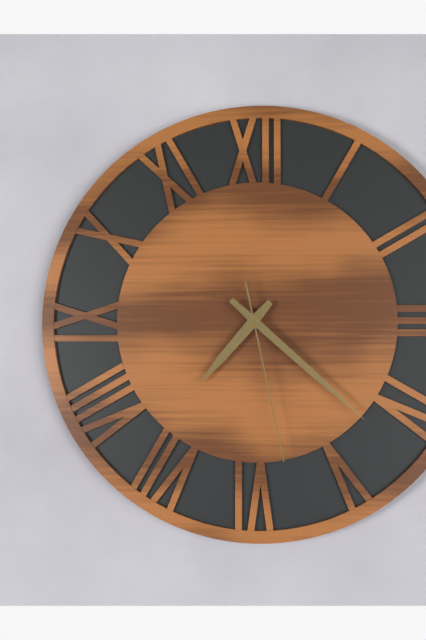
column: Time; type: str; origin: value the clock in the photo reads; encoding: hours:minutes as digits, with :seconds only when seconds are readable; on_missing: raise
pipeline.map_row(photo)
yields 7:22:28
